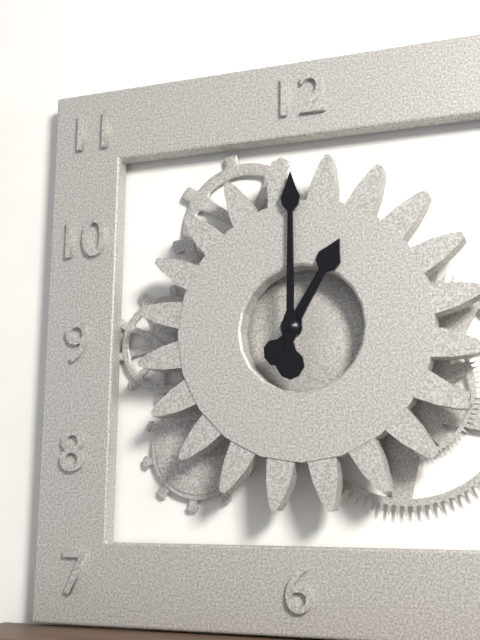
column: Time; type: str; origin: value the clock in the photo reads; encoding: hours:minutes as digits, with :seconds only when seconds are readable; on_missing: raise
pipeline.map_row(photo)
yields 1:00
